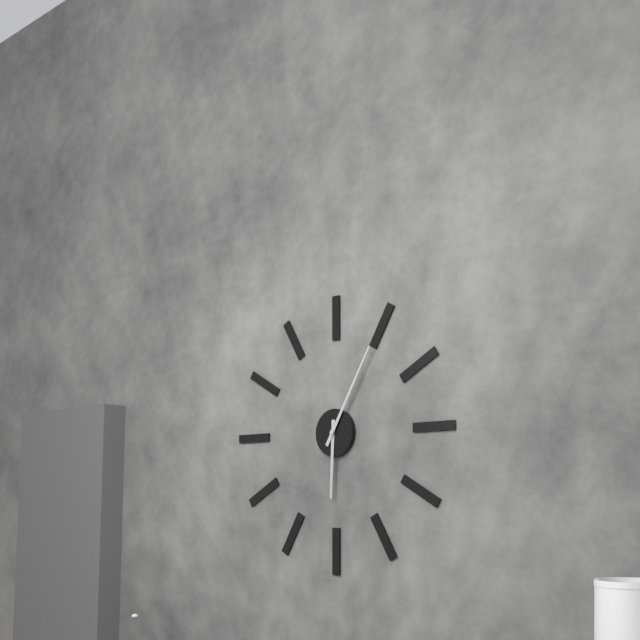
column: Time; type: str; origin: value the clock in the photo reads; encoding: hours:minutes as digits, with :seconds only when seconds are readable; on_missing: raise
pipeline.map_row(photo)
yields 6:05
